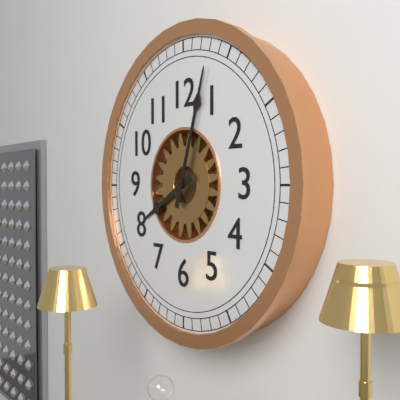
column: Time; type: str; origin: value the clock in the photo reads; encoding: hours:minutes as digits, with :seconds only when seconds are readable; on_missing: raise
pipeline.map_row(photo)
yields 8:03
